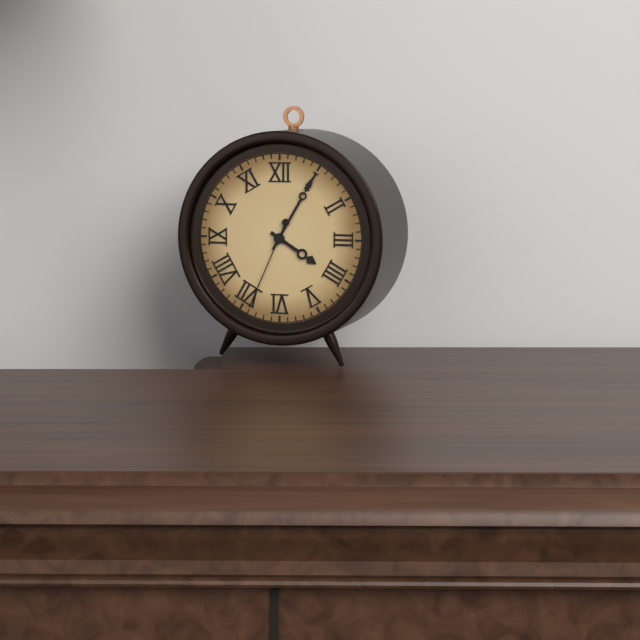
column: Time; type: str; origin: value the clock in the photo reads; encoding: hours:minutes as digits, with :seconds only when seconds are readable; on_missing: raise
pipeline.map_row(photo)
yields 4:05:34
